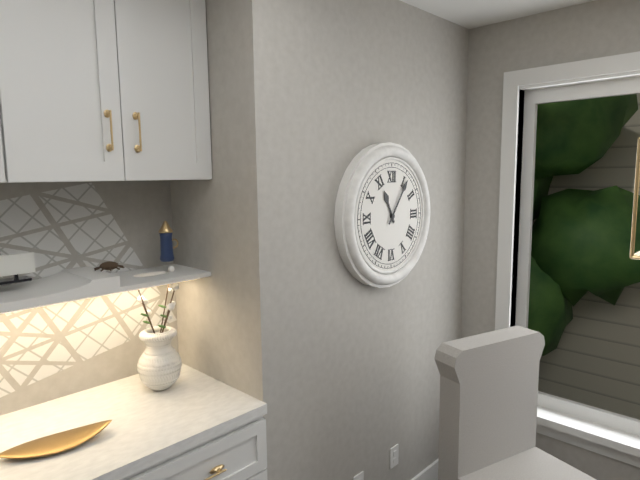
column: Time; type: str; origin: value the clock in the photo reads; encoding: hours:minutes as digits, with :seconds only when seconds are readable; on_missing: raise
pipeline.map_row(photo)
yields 11:06
